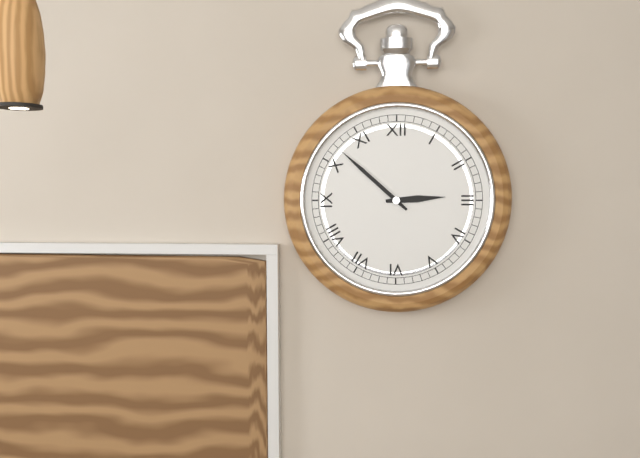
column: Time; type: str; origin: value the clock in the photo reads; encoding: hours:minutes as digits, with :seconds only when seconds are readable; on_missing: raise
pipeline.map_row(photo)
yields 2:52
